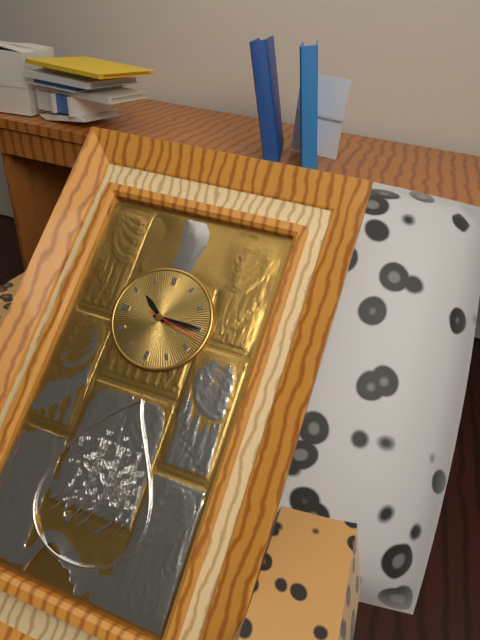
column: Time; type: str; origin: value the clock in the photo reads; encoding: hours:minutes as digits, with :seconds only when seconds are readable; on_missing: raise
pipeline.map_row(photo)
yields 10:15
